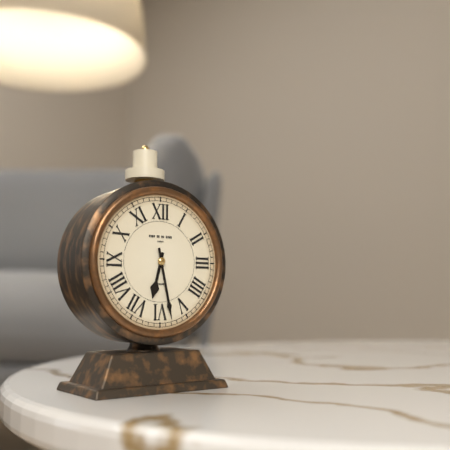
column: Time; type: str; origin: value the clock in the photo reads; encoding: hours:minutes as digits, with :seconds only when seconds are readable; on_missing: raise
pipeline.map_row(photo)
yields 6:28
